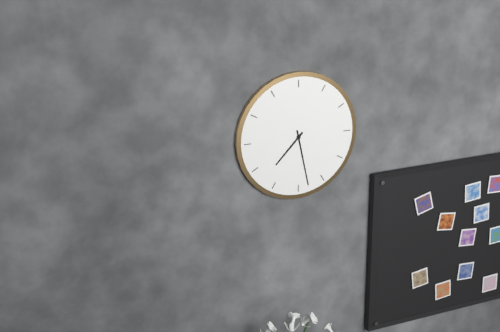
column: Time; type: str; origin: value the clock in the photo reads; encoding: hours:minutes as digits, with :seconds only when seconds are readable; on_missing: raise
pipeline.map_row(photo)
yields 7:28
